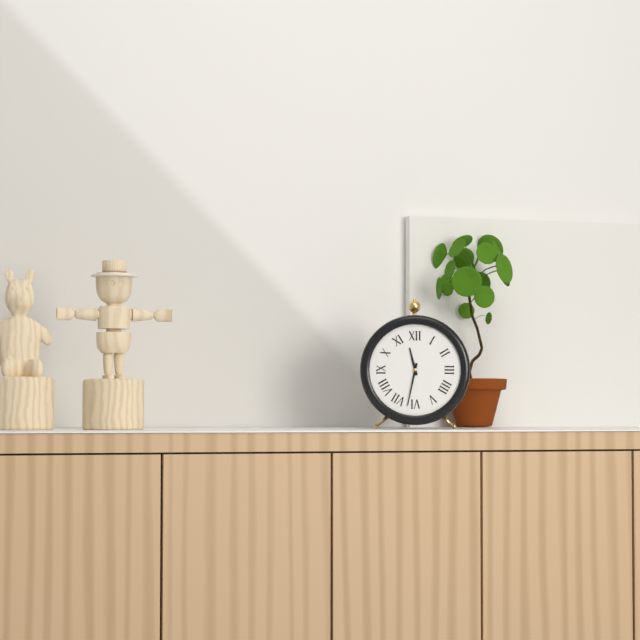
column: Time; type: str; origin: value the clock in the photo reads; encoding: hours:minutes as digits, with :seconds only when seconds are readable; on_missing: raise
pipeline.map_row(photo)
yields 11:32
